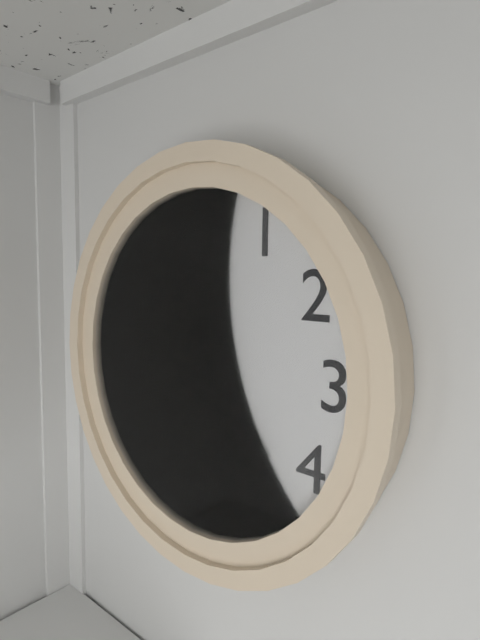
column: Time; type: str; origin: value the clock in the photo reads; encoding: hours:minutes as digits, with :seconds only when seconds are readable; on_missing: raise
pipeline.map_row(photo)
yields 4:26:25
